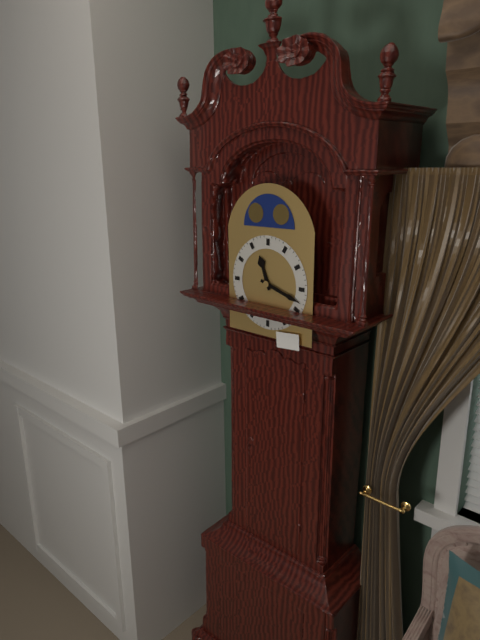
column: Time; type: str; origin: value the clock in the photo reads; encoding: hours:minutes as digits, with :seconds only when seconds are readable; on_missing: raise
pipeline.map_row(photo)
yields 11:18
